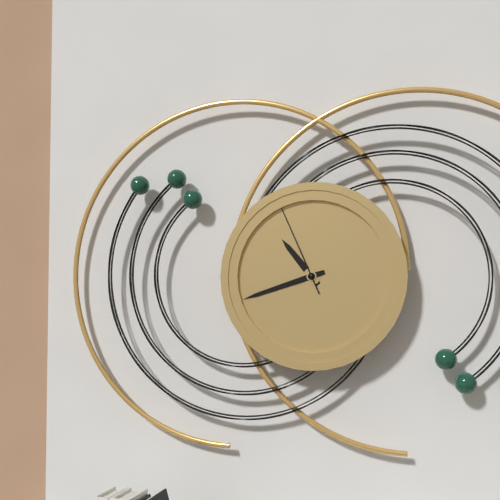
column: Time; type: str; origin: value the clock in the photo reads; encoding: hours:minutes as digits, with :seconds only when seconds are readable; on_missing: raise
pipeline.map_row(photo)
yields 10:42:56
